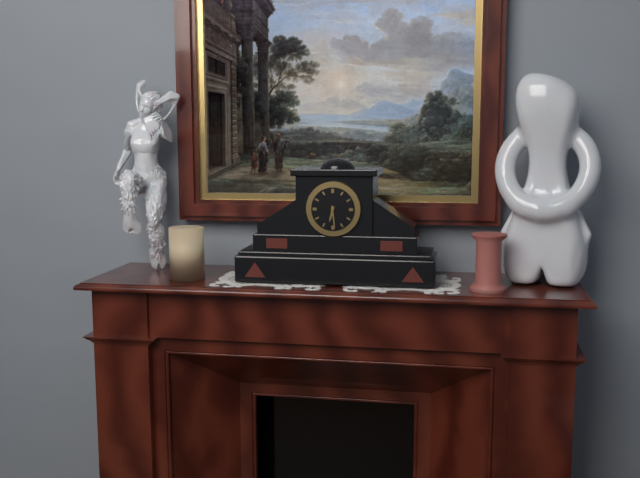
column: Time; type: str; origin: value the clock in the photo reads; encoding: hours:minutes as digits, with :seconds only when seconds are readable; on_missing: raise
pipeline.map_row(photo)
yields 6:29
